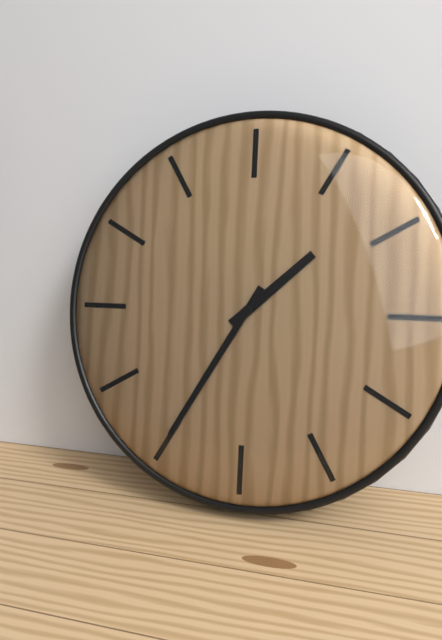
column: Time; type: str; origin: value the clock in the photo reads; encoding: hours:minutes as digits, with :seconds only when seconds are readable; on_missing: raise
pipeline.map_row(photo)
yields 1:35
